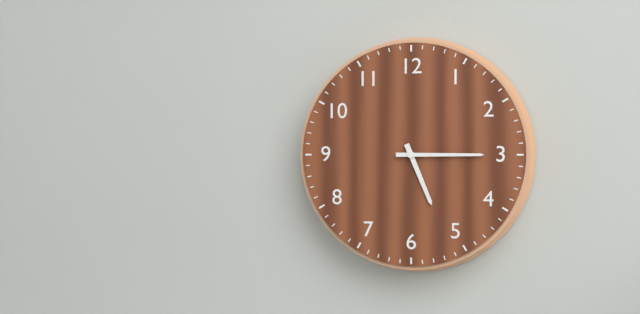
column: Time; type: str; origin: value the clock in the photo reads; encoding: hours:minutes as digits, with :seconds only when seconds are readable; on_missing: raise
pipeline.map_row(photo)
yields 5:15
